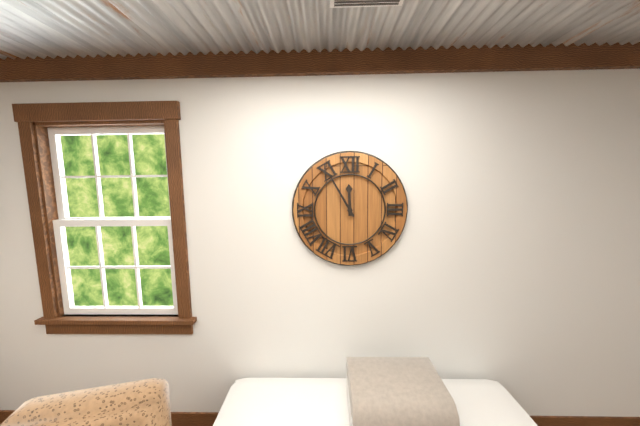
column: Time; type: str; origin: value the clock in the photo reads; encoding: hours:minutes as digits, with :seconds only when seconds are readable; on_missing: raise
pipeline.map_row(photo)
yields 11:55
